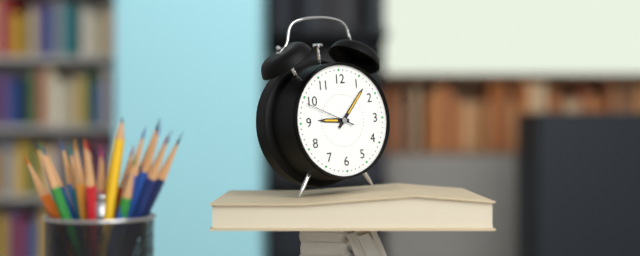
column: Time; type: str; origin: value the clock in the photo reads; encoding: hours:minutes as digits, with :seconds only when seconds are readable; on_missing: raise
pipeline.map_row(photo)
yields 9:07:49
